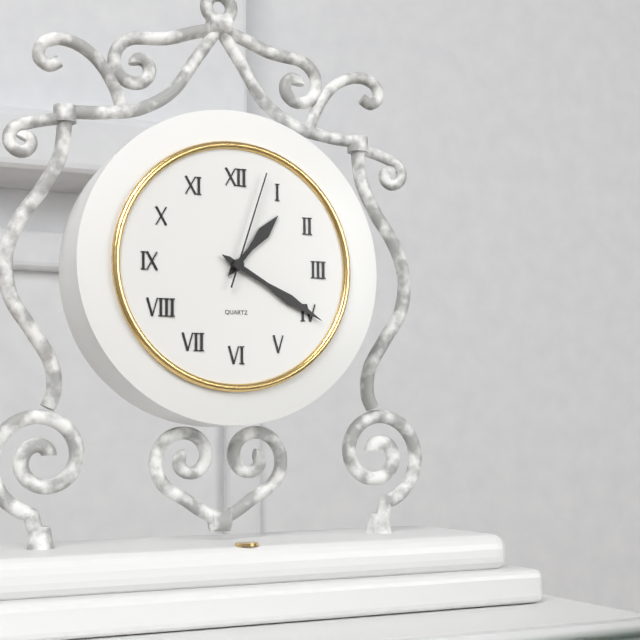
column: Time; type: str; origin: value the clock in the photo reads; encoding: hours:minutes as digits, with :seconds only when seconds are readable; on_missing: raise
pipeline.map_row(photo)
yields 1:20:03
